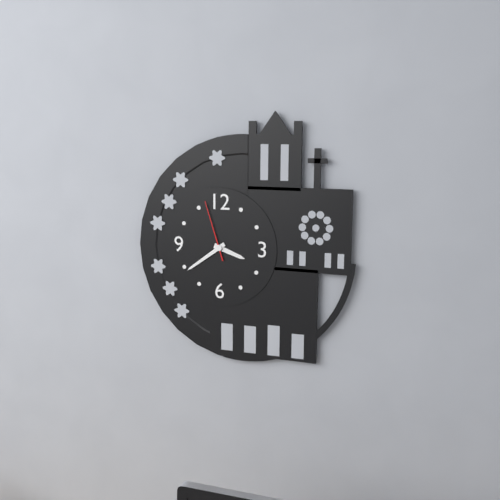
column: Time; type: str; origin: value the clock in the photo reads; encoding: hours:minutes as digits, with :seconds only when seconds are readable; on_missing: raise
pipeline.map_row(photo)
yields 3:39:57
